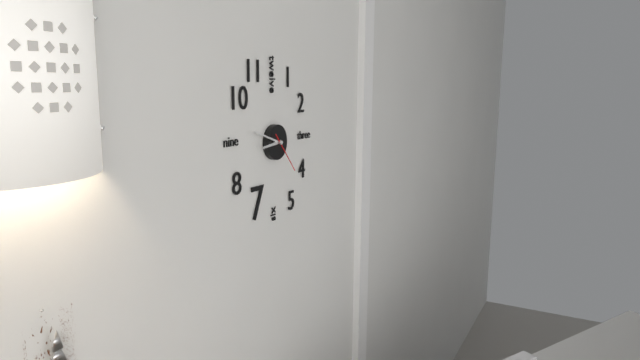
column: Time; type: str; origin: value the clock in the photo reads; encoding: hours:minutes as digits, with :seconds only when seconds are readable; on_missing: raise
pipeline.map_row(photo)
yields 8:48
